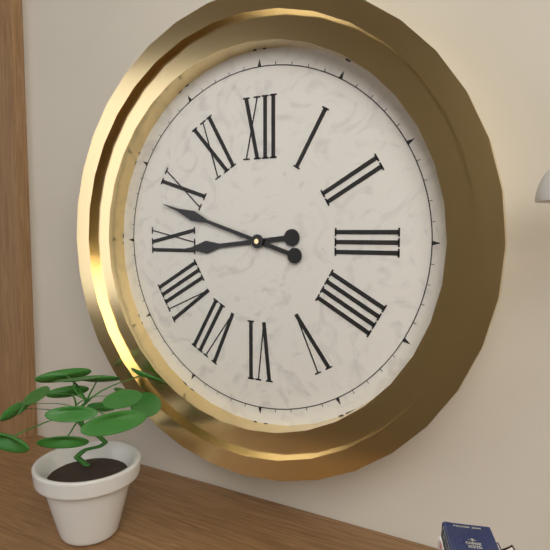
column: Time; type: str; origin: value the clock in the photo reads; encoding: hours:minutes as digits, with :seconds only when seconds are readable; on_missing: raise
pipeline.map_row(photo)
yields 8:48
